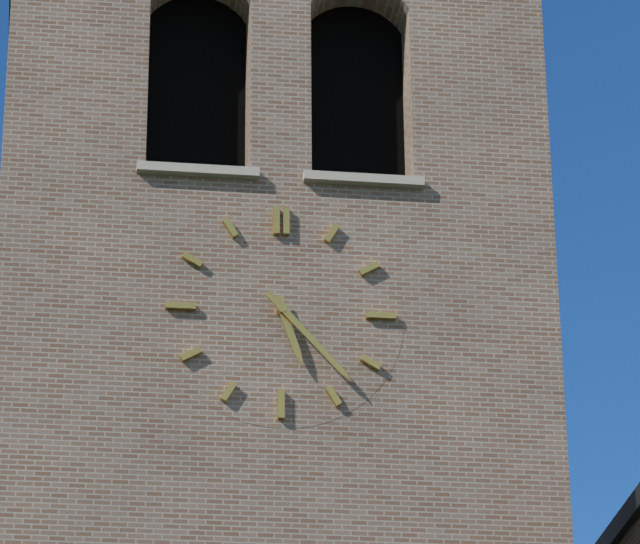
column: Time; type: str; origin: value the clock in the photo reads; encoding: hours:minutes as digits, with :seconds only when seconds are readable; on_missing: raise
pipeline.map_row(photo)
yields 5:23
